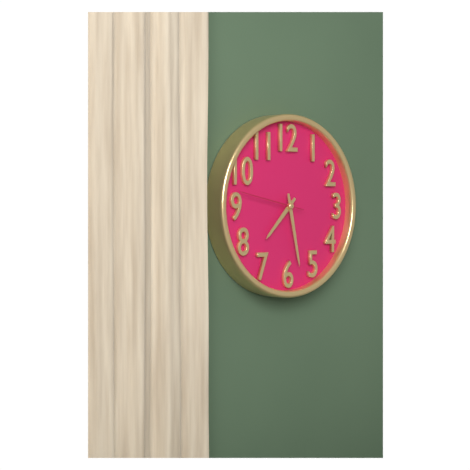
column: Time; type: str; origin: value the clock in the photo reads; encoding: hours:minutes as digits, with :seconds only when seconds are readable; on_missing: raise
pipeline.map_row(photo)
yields 7:28:47
